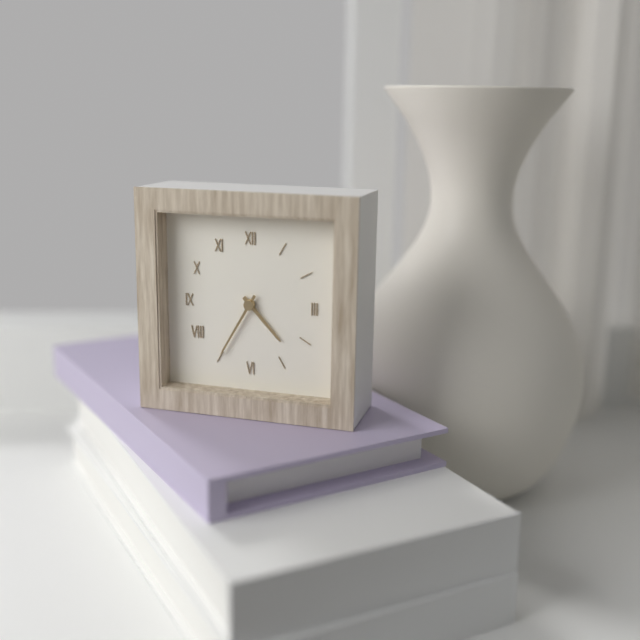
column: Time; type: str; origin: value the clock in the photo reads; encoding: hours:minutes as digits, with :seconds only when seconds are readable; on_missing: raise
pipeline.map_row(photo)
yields 4:35
